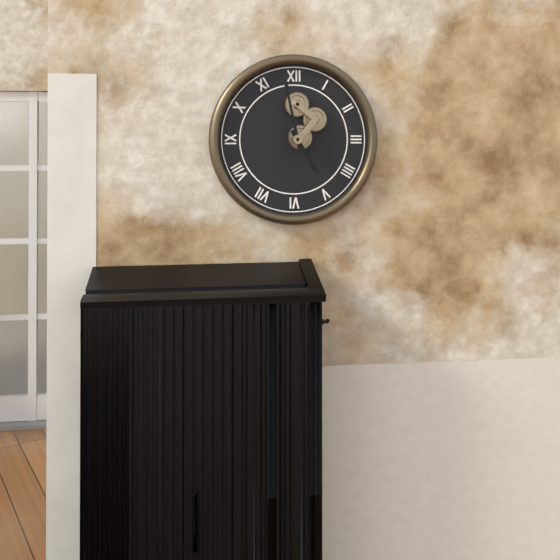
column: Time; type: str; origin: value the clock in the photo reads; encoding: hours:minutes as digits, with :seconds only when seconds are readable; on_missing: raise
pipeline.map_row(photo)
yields 4:58
